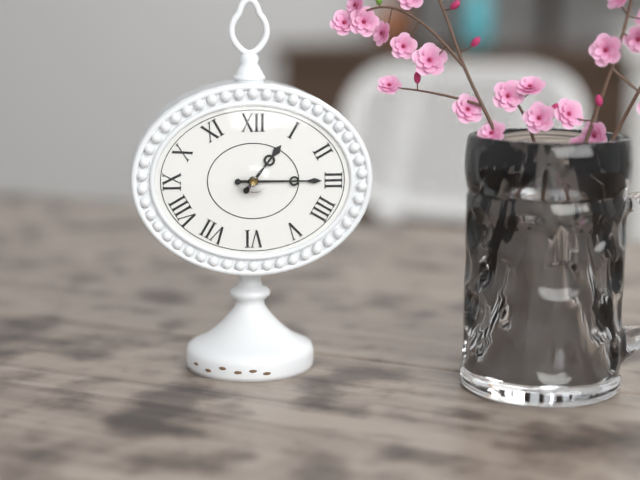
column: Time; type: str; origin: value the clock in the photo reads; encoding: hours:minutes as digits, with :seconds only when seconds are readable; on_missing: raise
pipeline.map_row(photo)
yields 1:15
